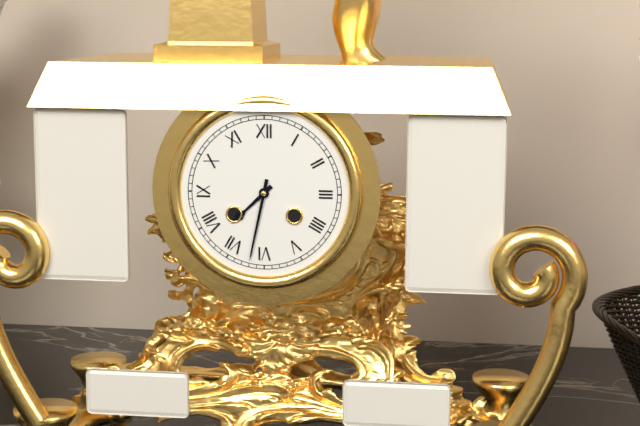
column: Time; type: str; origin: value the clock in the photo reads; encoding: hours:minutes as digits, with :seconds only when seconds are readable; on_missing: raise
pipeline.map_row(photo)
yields 7:32
